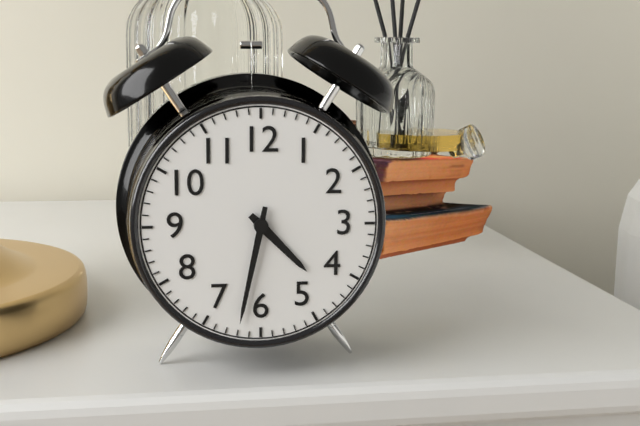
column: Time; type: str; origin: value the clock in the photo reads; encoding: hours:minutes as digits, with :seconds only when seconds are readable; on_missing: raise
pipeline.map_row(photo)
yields 4:32
